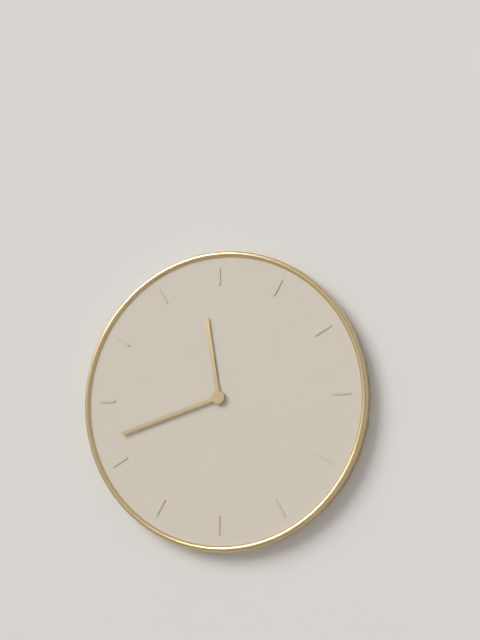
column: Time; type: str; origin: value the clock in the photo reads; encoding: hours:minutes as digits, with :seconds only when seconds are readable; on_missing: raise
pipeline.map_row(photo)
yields 11:42
